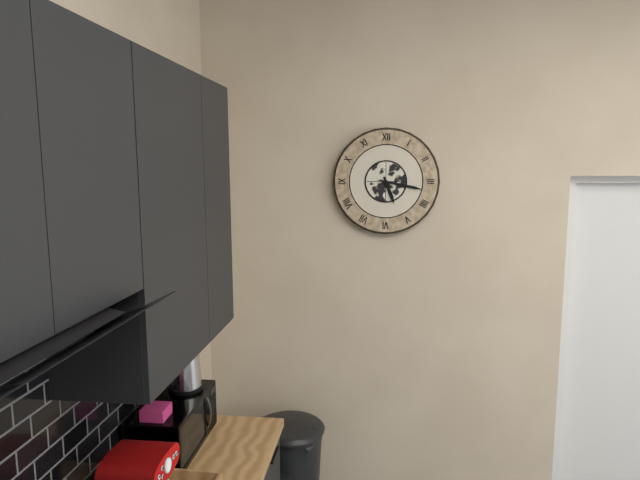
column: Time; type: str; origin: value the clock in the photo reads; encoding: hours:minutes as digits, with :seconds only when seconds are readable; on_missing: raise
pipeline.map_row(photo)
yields 5:17
